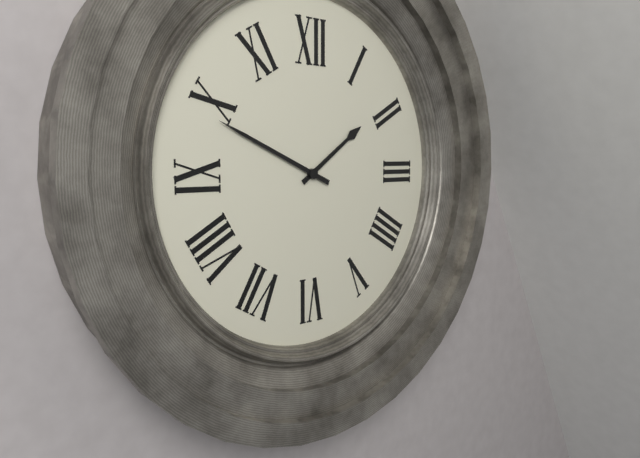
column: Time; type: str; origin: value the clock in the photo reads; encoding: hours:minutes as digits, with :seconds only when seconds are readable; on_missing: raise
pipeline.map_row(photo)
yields 1:49
